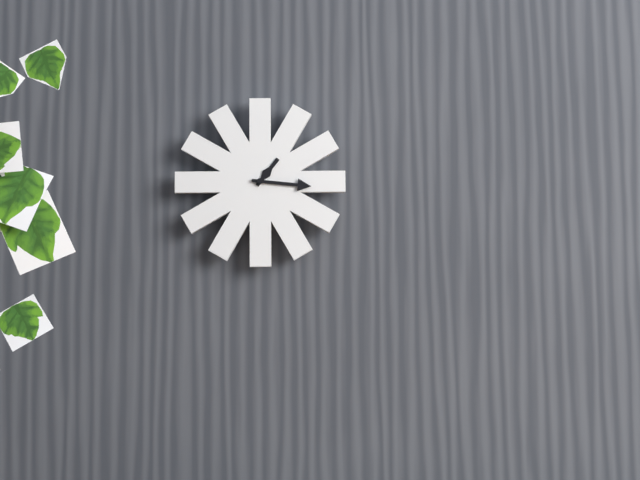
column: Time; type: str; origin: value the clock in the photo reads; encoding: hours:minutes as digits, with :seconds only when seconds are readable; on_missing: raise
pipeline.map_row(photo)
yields 1:16
